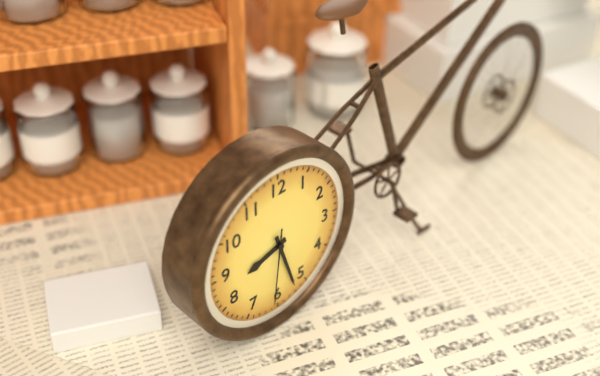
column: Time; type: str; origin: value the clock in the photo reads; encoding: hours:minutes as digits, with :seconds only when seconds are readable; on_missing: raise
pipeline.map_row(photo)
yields 8:27:31
